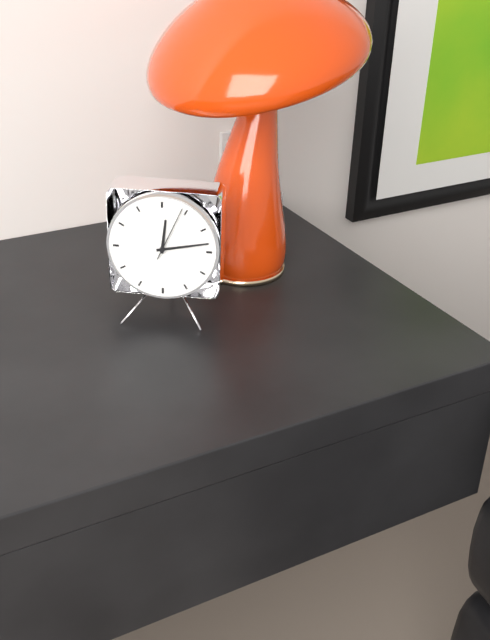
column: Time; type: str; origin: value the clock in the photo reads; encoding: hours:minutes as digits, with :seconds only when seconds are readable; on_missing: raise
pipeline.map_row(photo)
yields 12:13
